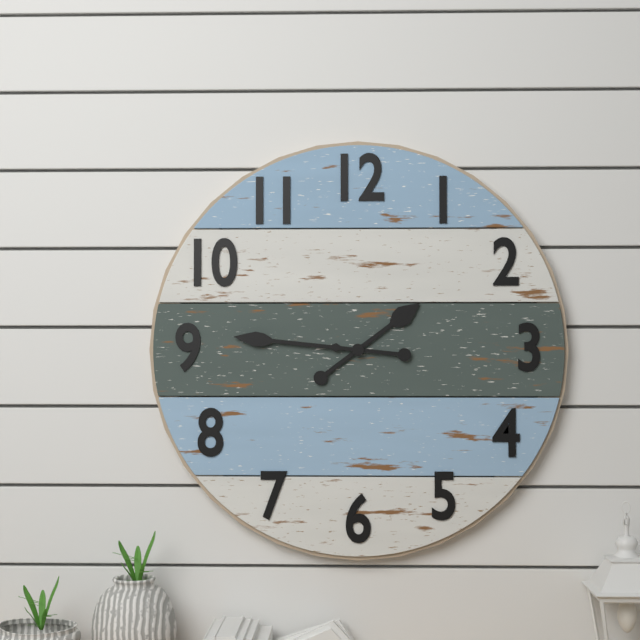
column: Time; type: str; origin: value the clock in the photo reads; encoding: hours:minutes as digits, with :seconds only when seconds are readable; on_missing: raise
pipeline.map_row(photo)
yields 1:46
